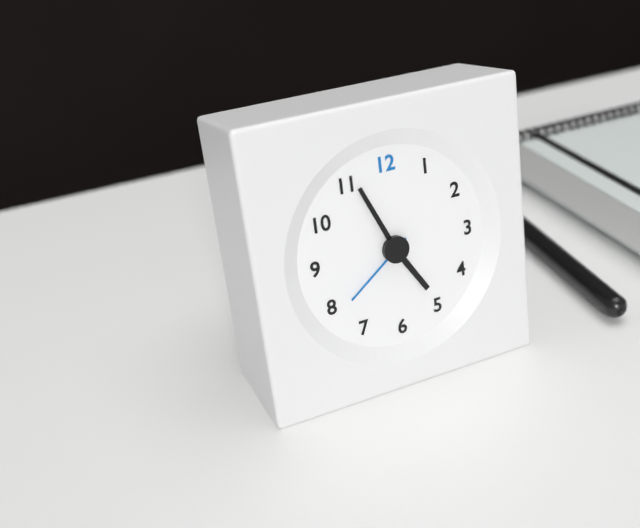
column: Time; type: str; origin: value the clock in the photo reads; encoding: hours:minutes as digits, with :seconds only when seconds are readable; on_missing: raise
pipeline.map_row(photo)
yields 4:56:39
